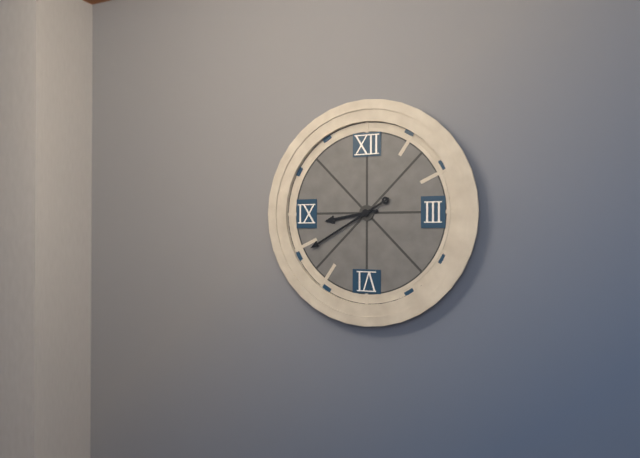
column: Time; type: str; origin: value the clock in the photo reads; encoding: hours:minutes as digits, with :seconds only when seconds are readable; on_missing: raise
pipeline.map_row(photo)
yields 8:40
